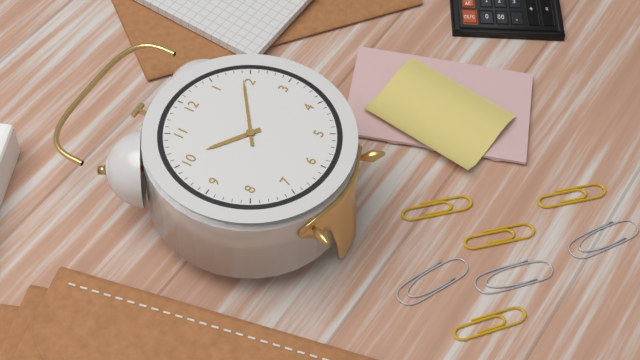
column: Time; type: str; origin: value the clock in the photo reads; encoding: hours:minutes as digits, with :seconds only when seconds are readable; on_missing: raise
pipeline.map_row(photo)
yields 10:09
